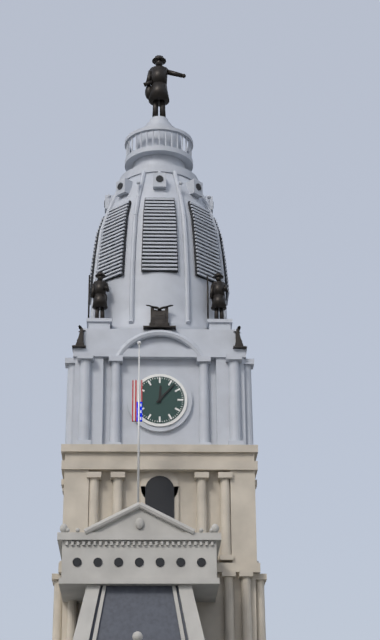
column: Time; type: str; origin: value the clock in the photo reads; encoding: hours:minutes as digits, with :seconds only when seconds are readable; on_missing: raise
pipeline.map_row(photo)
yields 12:07
